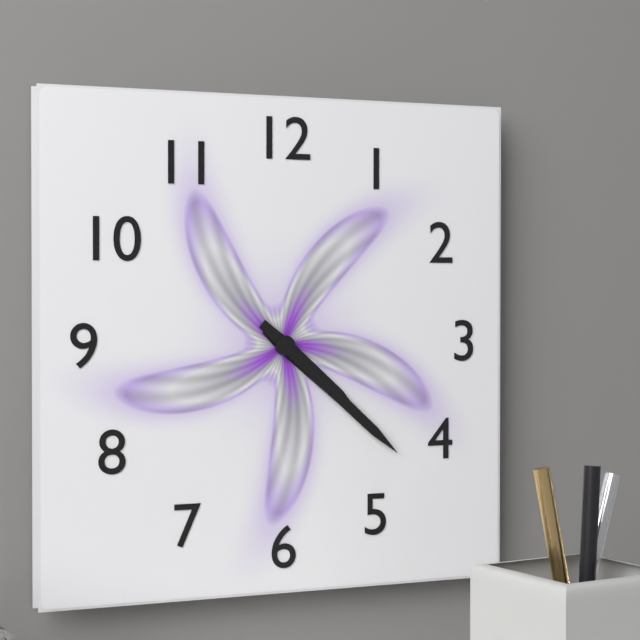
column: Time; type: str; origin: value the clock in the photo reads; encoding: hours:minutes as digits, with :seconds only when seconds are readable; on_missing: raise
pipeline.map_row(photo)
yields 4:22
